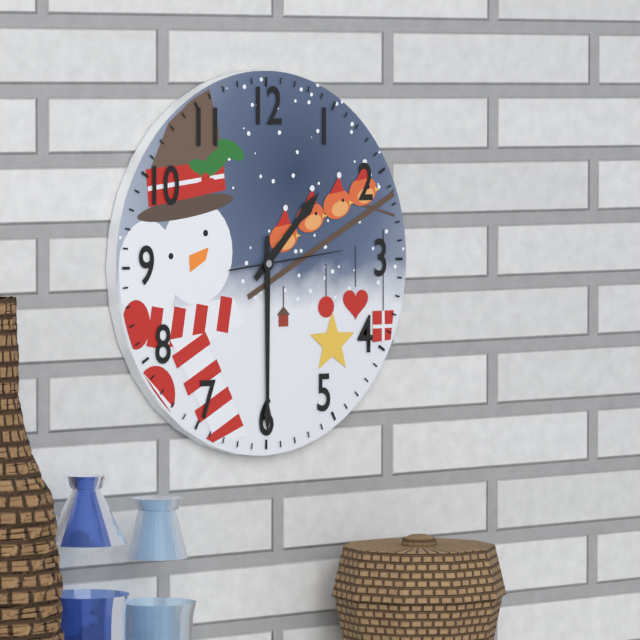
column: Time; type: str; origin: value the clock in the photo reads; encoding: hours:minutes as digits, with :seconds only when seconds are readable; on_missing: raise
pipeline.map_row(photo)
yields 1:30:14
